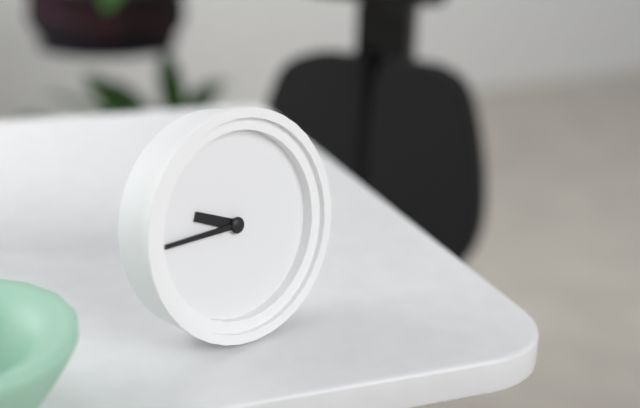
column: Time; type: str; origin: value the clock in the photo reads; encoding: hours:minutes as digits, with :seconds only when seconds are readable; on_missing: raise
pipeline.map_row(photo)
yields 9:45
